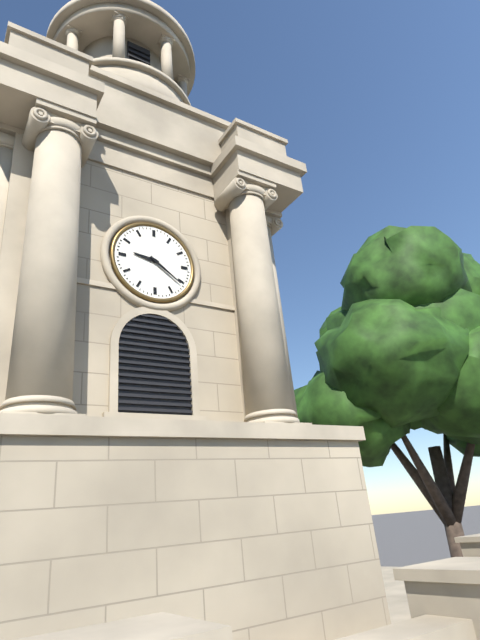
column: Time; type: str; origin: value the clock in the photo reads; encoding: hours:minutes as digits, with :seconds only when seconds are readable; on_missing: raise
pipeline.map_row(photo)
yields 9:21
